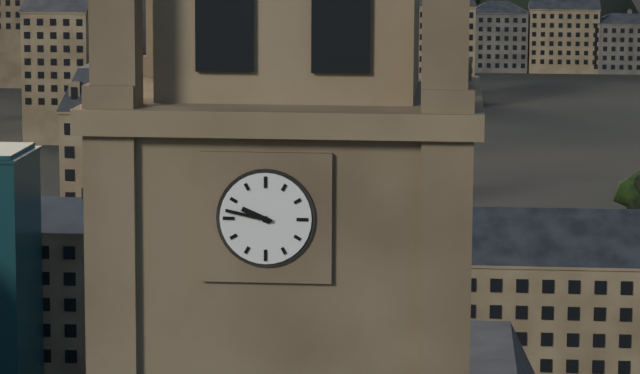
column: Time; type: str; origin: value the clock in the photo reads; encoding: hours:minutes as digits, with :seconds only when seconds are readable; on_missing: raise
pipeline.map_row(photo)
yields 9:47
